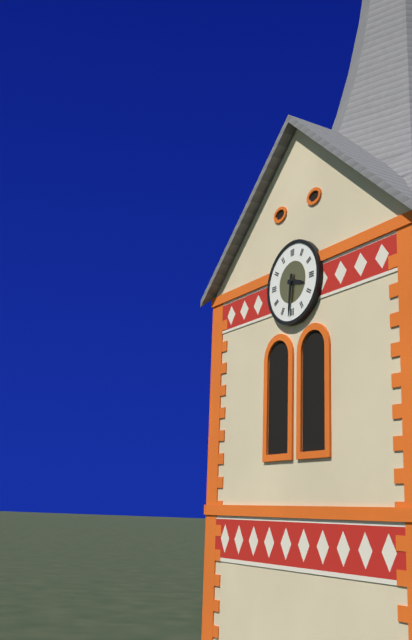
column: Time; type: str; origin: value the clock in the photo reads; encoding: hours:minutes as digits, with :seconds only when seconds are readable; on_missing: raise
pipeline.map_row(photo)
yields 3:31
